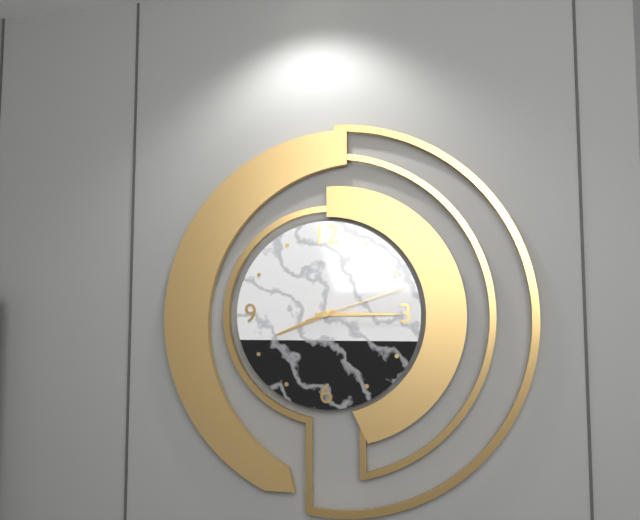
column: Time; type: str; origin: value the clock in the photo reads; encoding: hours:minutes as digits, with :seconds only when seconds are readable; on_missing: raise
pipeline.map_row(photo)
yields 8:15:12
